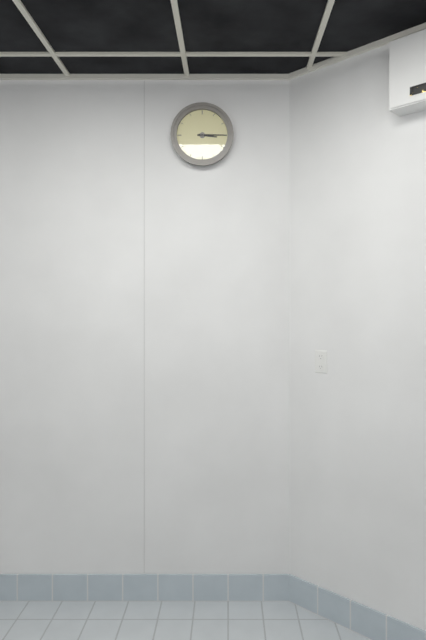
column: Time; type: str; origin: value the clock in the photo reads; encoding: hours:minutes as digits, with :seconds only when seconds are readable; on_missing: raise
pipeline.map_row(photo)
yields 3:15
